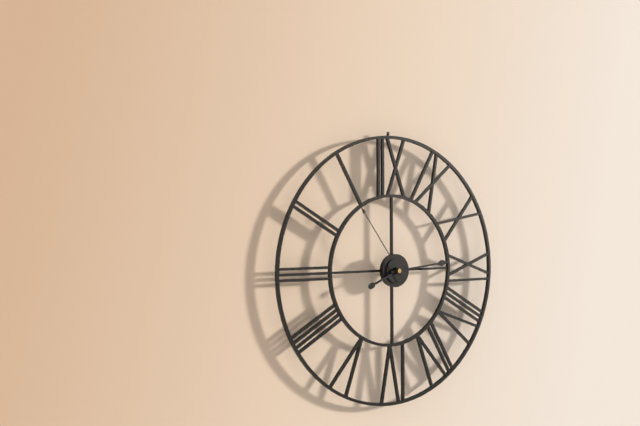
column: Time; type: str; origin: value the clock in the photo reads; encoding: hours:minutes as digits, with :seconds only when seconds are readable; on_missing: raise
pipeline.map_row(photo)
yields 8:14:54
